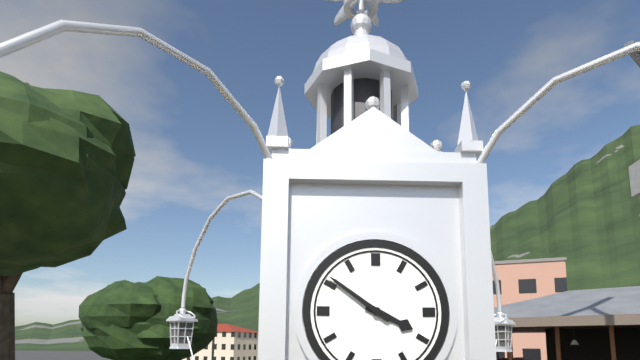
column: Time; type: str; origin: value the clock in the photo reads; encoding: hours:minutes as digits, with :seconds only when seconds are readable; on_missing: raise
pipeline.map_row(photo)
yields 3:51
